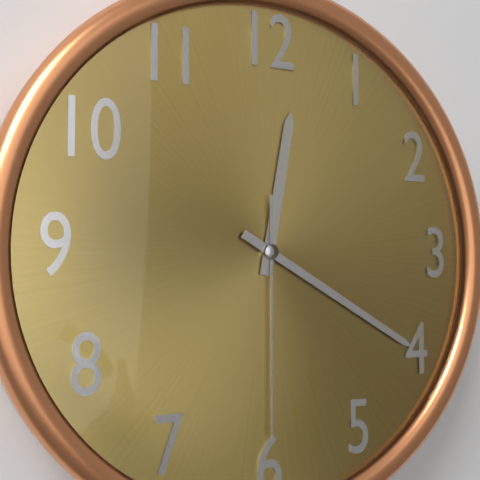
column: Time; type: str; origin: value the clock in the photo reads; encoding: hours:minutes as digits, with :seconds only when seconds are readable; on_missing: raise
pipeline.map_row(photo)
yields 12:20:30
